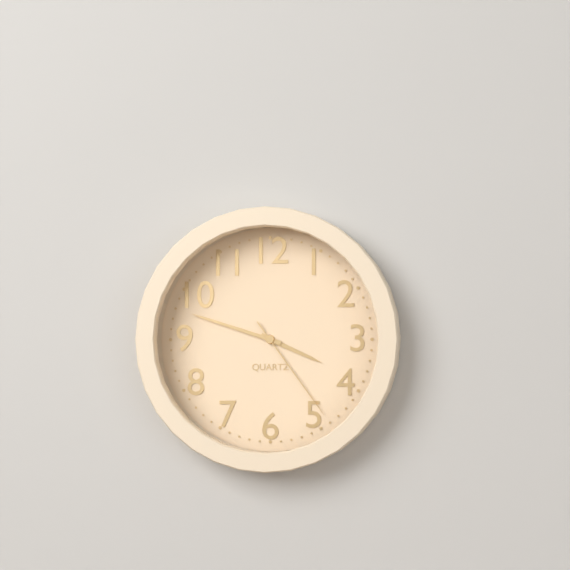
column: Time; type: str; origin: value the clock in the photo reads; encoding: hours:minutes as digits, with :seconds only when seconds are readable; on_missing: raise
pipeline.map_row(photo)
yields 3:48:24
